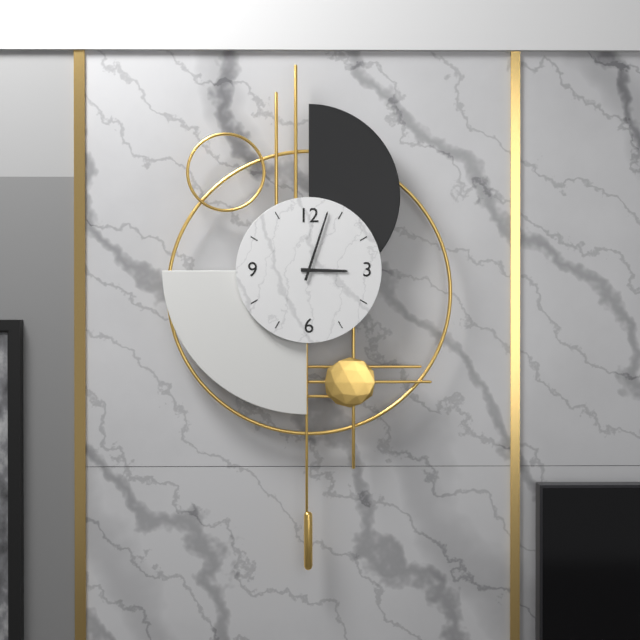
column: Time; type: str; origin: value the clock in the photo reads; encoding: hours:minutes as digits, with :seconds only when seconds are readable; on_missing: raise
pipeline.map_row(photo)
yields 3:03
